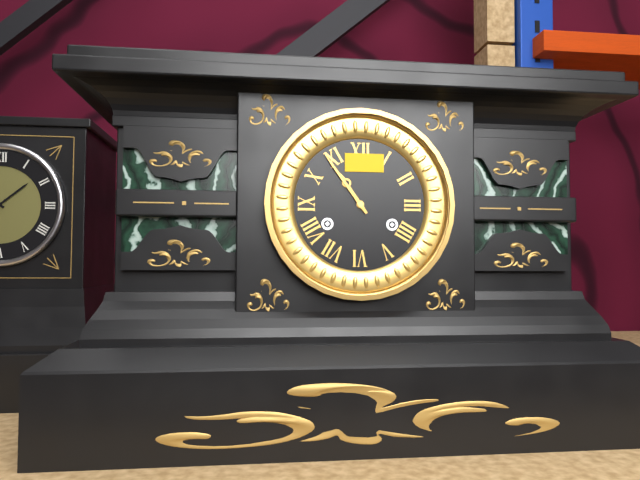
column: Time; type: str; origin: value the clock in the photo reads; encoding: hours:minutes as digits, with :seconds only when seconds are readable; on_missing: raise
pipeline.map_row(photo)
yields 10:54
